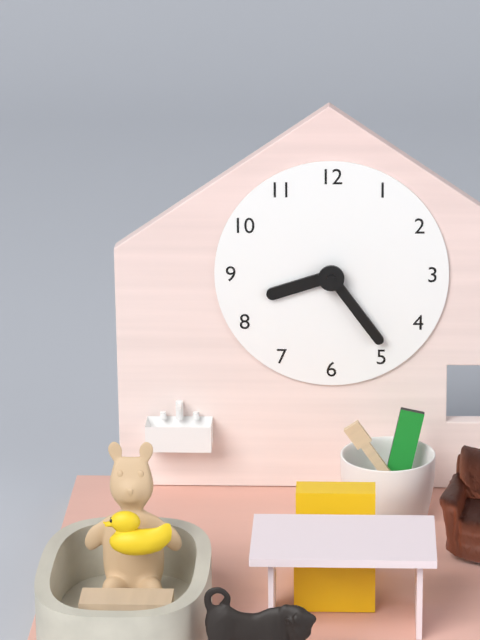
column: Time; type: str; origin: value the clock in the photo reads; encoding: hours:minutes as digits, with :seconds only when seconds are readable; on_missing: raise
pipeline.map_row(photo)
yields 8:24
